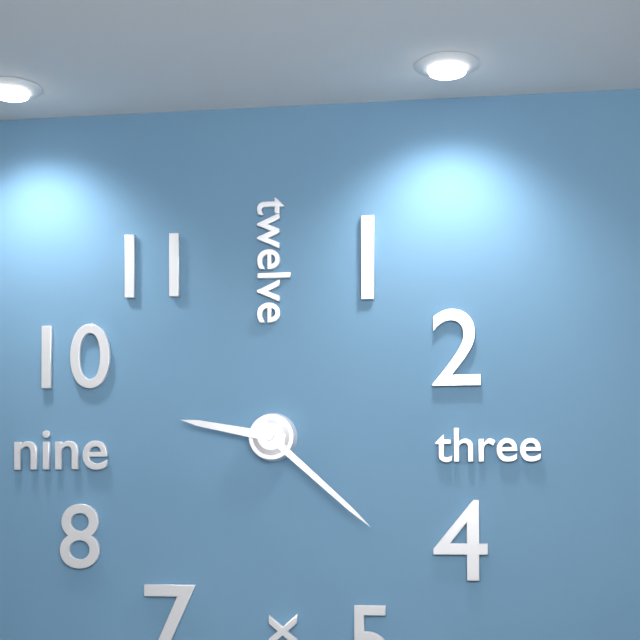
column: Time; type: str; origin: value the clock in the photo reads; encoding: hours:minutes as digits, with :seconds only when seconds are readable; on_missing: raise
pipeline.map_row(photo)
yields 9:22
